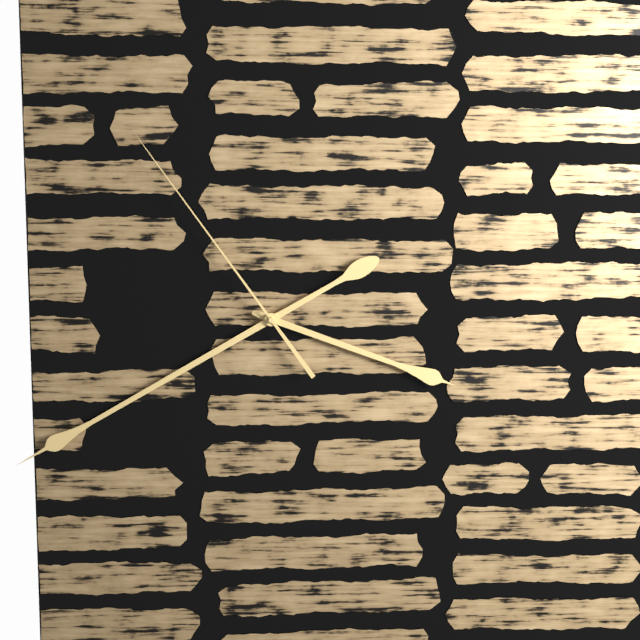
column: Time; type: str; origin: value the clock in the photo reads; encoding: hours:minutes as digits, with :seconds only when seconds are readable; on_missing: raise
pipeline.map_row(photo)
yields 3:40:54
